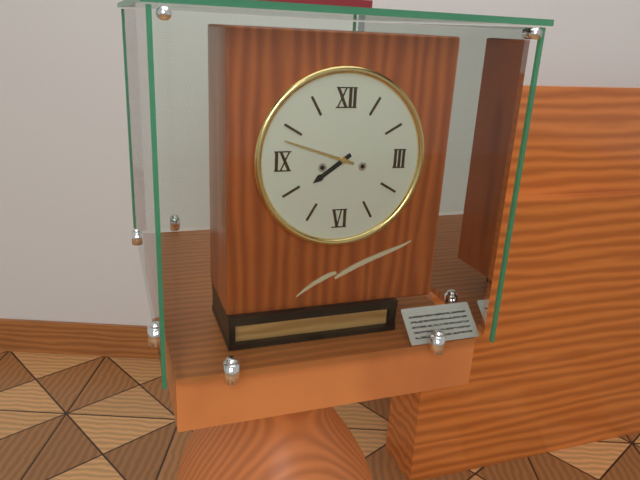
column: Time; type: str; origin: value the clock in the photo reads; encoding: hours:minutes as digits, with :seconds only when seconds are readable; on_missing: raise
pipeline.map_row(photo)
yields 7:48
